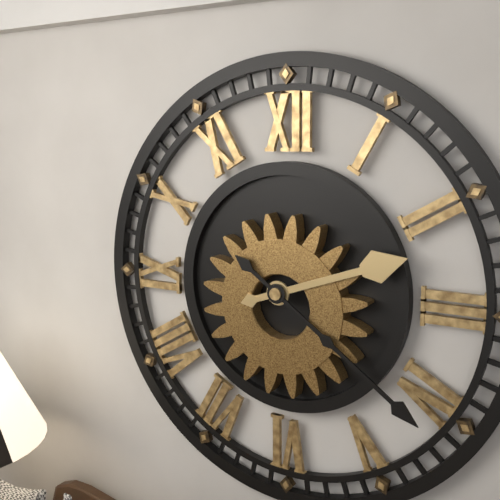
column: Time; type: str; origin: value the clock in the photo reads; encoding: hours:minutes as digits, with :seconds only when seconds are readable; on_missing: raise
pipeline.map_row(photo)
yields 2:21
